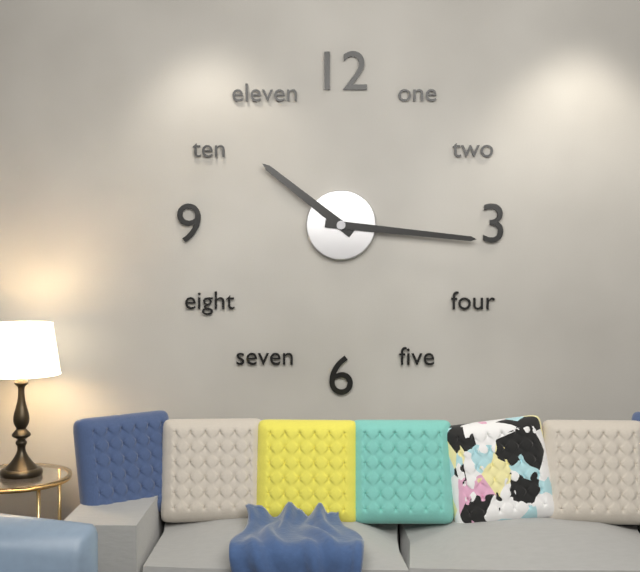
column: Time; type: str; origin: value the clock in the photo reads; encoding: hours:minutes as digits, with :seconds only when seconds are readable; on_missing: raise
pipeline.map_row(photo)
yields 10:16
